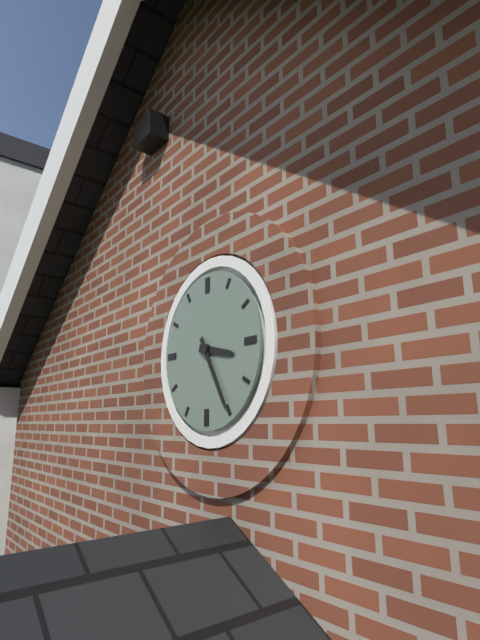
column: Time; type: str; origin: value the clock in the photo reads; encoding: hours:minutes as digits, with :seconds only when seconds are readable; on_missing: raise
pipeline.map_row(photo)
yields 3:25
